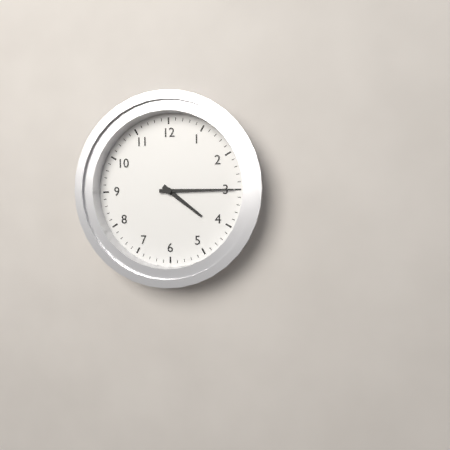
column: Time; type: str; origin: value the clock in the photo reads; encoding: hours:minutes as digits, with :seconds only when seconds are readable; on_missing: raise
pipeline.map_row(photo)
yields 4:15
